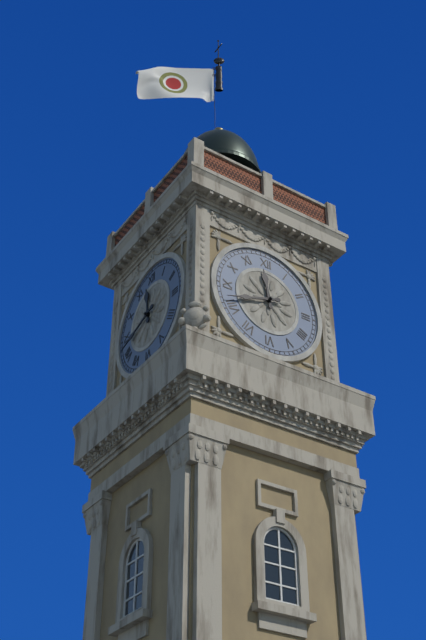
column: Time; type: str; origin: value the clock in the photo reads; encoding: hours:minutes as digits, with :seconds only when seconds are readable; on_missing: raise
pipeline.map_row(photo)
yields 11:42
